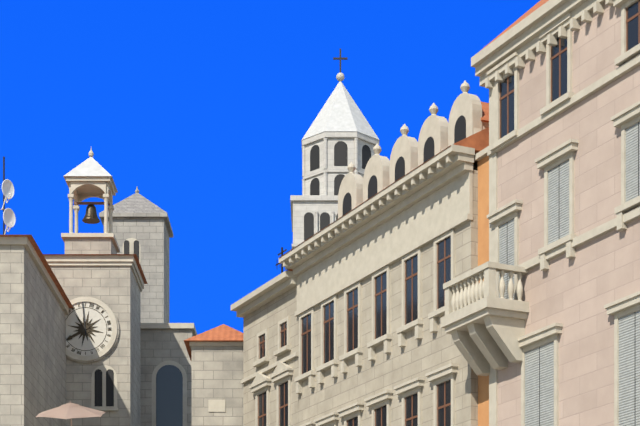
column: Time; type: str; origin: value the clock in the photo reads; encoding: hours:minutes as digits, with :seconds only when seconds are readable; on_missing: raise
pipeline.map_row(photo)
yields 7:59
